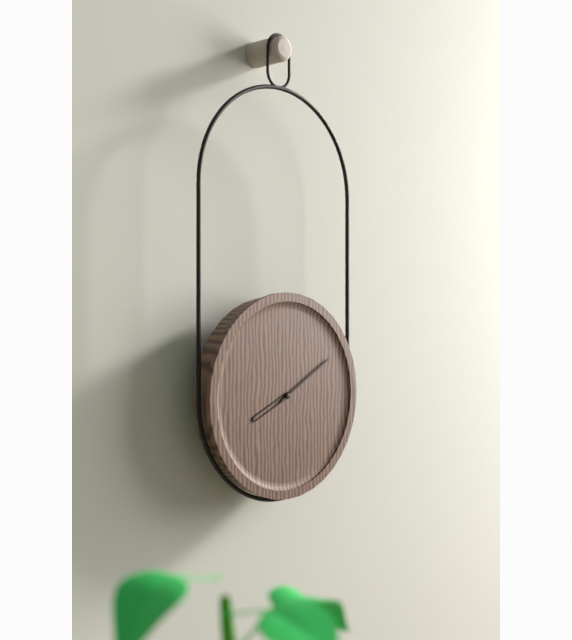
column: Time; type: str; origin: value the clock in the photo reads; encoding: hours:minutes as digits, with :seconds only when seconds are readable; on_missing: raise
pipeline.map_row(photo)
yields 8:10
